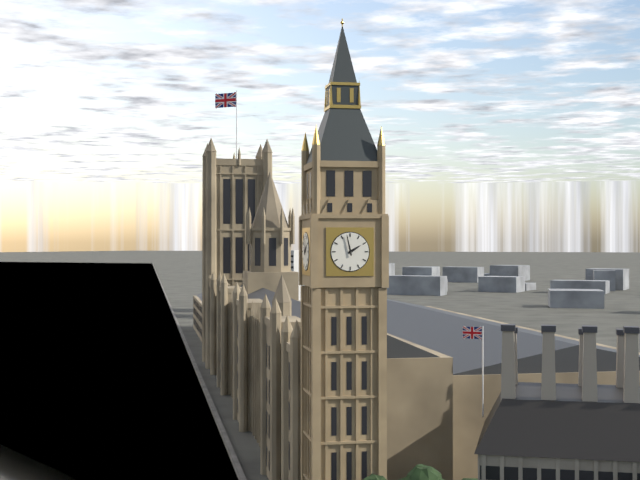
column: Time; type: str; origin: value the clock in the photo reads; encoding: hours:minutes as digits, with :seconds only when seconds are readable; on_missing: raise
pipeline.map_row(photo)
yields 1:58
